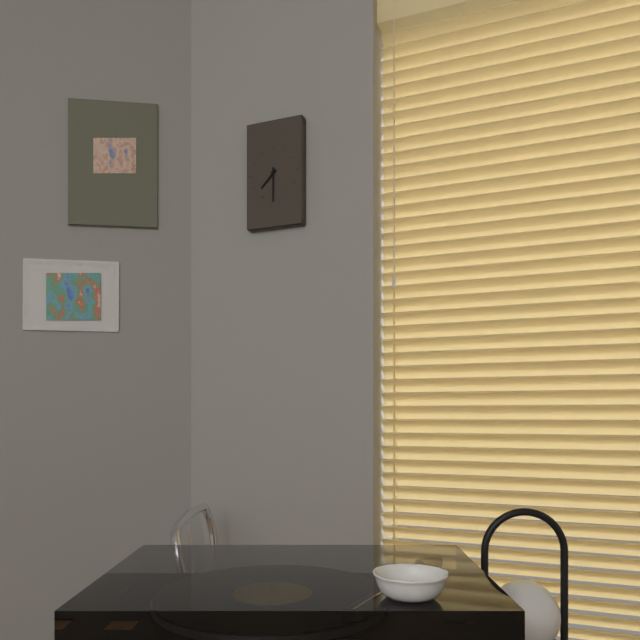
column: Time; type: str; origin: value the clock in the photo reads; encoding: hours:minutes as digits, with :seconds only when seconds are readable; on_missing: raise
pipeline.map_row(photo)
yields 7:30
